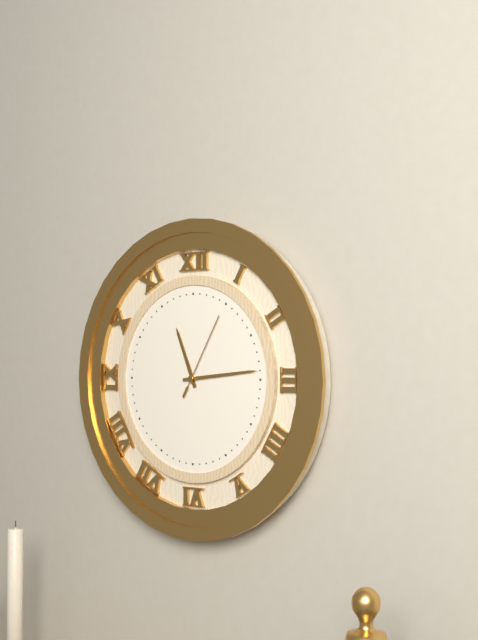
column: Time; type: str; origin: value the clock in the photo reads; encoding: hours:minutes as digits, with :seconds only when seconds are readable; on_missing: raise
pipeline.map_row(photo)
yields 11:14:05
